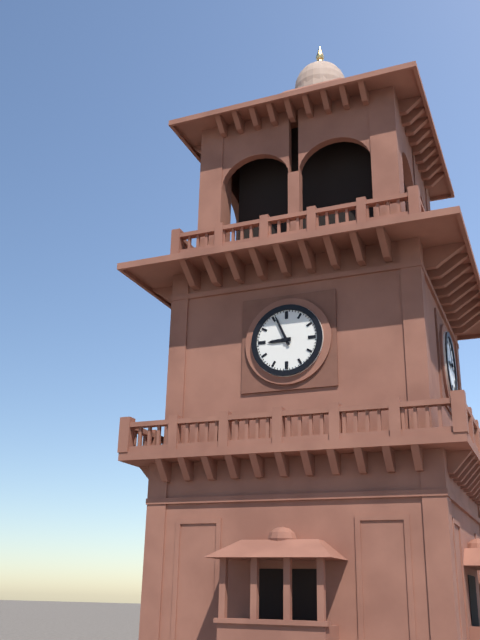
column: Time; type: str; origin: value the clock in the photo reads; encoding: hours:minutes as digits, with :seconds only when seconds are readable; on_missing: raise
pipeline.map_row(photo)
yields 8:56
